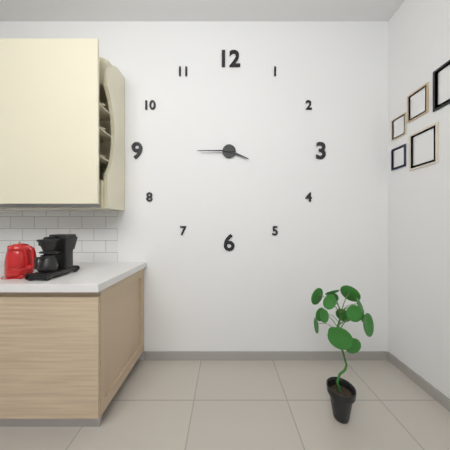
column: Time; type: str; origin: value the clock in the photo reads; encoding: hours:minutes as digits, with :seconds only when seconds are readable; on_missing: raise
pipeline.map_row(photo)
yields 3:45
